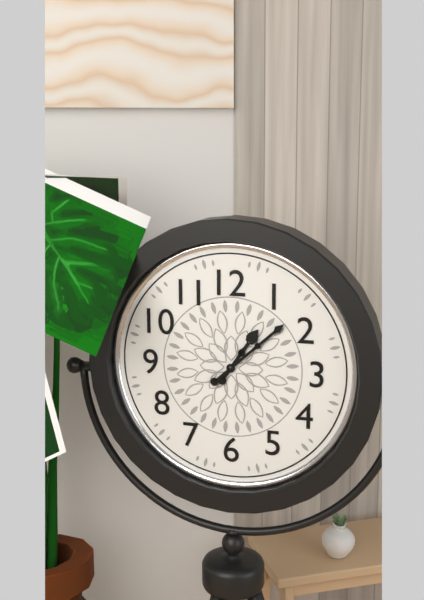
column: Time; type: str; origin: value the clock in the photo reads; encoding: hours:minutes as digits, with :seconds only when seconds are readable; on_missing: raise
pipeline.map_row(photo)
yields 1:08
